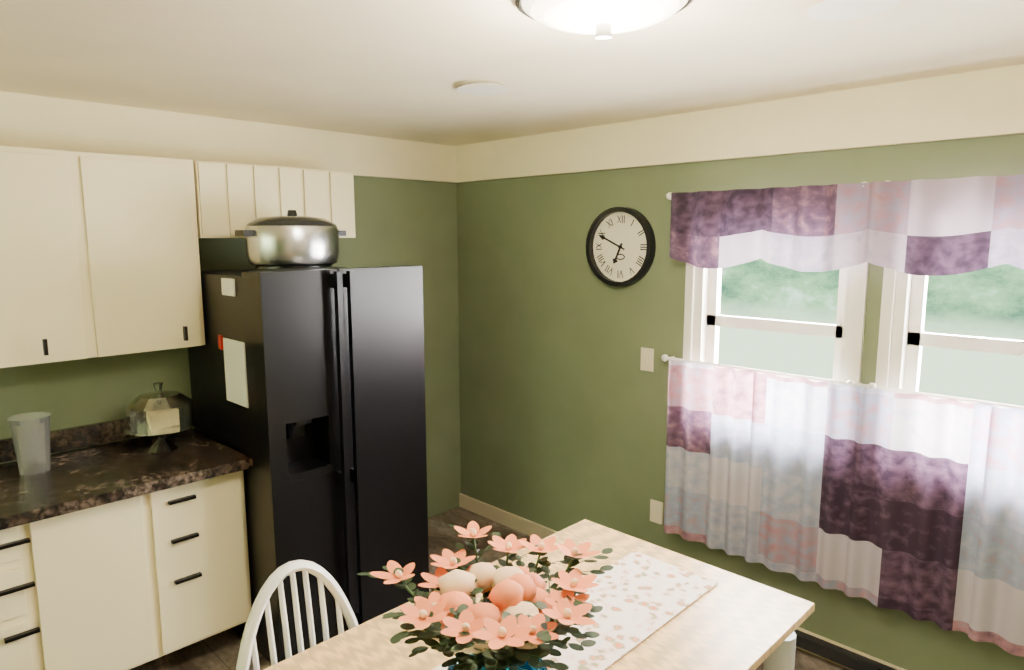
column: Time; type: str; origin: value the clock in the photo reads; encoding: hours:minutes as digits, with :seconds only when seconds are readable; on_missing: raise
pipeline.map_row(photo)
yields 6:49
